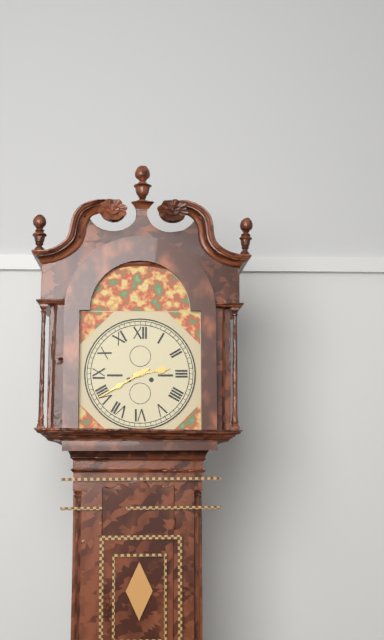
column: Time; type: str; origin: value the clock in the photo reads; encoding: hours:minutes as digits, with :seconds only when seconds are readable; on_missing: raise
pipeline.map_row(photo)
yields 2:40
